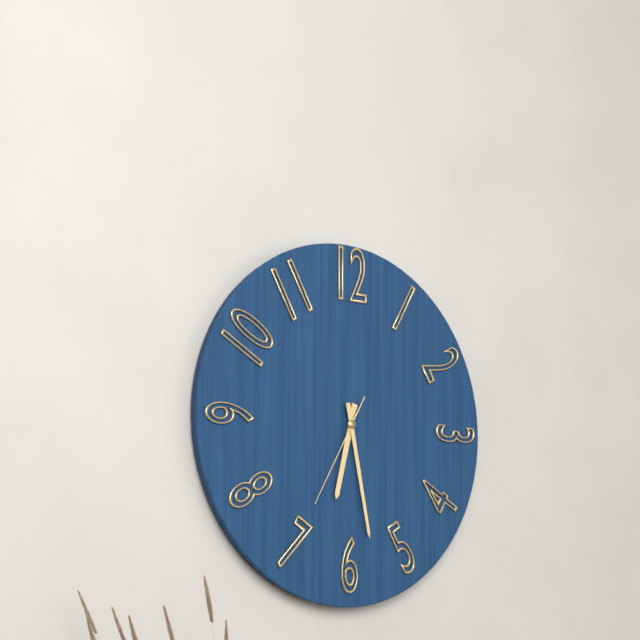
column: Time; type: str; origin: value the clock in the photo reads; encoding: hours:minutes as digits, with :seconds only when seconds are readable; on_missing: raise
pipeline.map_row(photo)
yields 6:28:35
